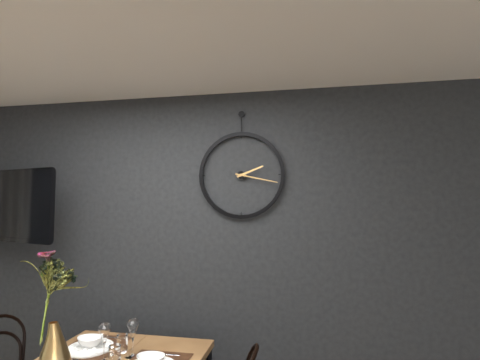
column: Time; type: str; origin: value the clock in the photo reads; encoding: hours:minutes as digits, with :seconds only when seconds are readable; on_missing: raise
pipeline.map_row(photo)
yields 2:17
